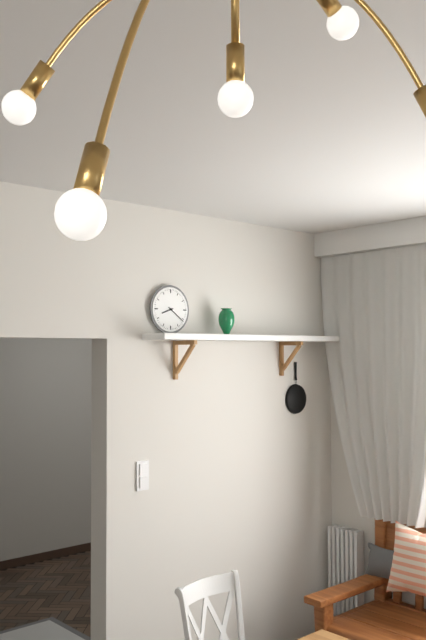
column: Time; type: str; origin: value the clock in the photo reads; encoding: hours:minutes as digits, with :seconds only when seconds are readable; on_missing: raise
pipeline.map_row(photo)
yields 8:21
